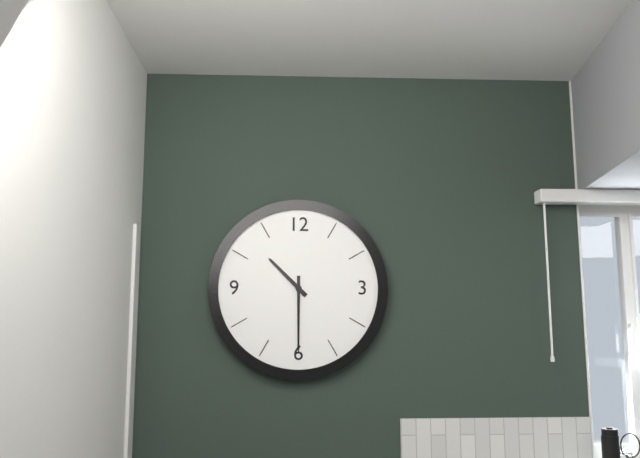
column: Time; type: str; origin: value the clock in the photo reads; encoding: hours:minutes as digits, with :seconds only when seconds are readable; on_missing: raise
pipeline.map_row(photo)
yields 10:30
